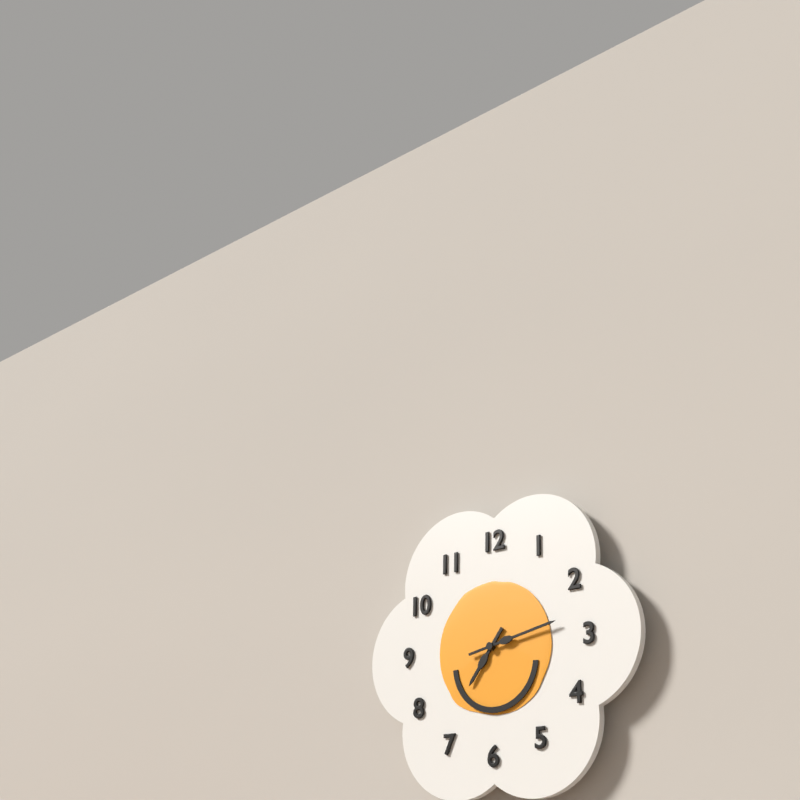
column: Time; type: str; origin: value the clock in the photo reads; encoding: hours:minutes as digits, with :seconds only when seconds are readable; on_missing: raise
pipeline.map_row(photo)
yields 7:13
